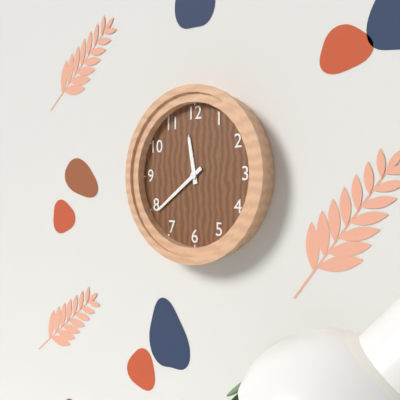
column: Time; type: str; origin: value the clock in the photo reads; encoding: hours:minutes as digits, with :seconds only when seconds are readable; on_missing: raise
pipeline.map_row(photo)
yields 11:39
